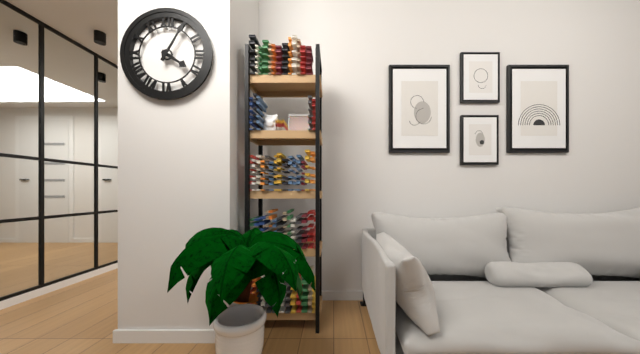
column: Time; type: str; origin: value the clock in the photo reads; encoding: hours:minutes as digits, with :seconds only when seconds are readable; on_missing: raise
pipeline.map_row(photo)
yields 4:05
